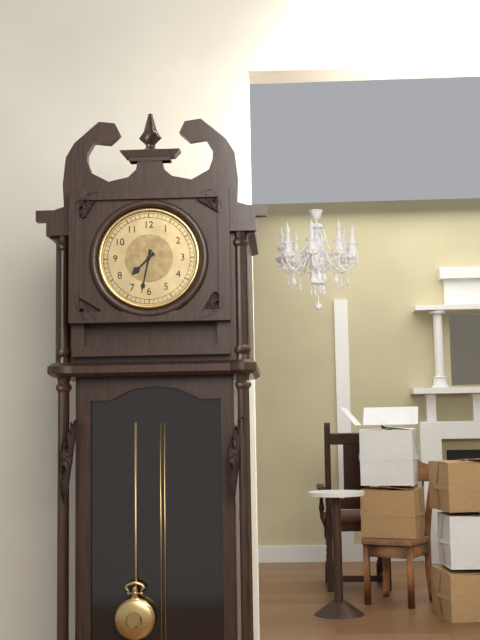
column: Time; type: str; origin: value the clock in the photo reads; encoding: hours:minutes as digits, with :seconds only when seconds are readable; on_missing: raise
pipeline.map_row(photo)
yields 7:32
